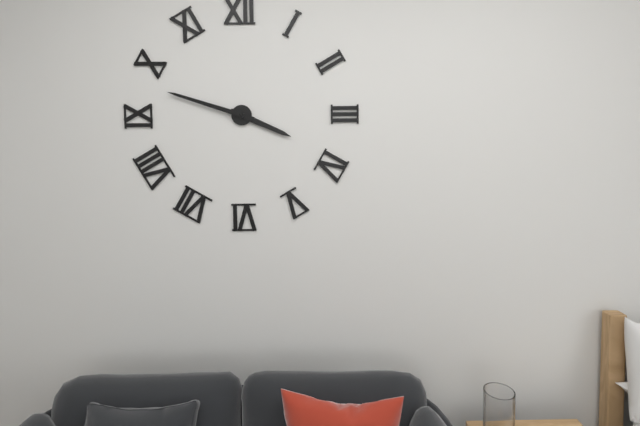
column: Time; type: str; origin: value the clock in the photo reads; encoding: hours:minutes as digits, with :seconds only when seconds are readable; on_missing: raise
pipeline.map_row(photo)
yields 3:48
